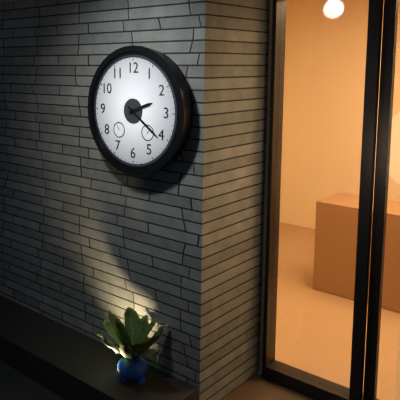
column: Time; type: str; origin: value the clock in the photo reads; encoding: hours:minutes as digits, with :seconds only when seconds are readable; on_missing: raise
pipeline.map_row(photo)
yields 2:21
